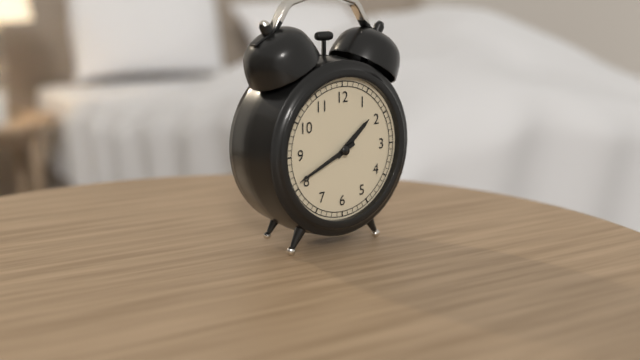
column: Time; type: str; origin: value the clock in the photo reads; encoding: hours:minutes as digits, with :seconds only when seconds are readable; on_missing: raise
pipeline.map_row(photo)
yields 1:41
